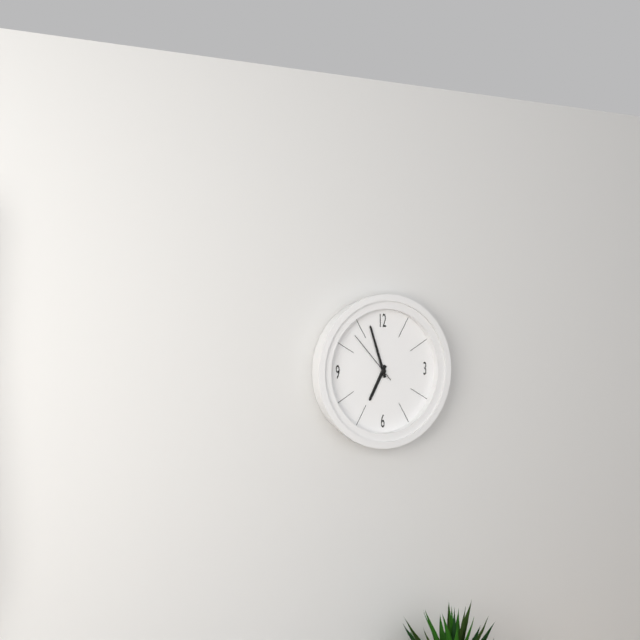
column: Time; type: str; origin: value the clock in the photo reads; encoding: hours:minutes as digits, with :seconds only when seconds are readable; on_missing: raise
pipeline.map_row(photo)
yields 6:57:53
